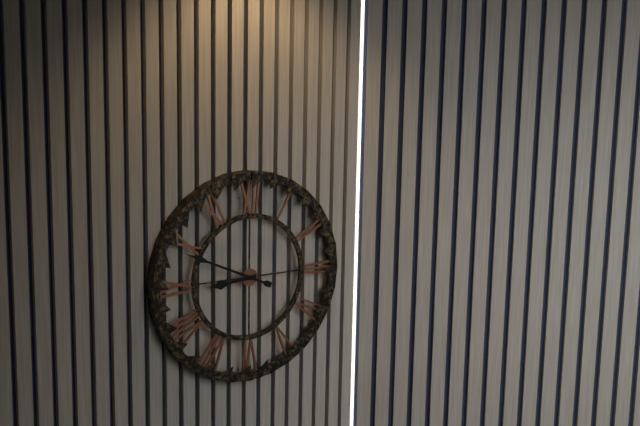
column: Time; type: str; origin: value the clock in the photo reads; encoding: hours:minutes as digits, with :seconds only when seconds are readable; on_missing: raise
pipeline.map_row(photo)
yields 8:49
